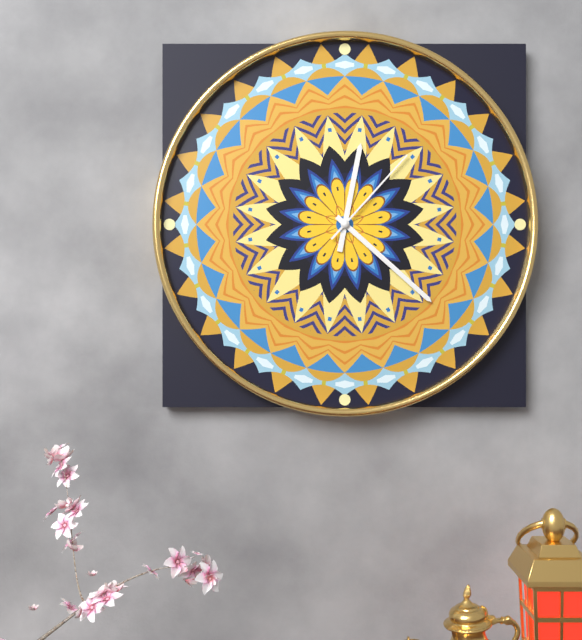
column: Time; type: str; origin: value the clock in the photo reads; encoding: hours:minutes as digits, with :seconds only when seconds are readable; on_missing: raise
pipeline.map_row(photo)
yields 12:22:07
